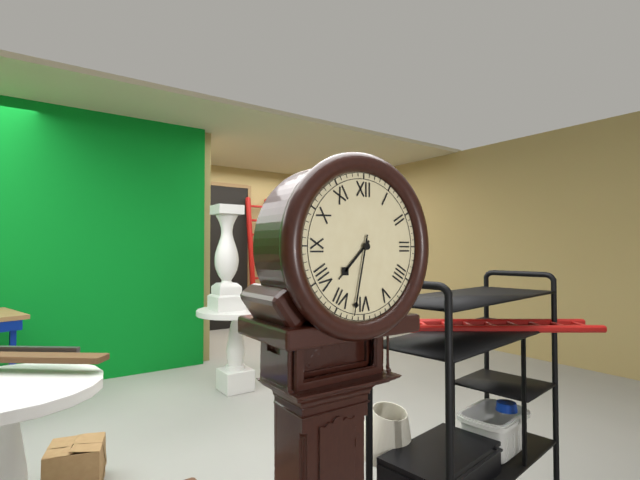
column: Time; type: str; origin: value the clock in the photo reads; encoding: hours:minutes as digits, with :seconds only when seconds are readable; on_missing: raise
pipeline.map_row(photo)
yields 7:32
